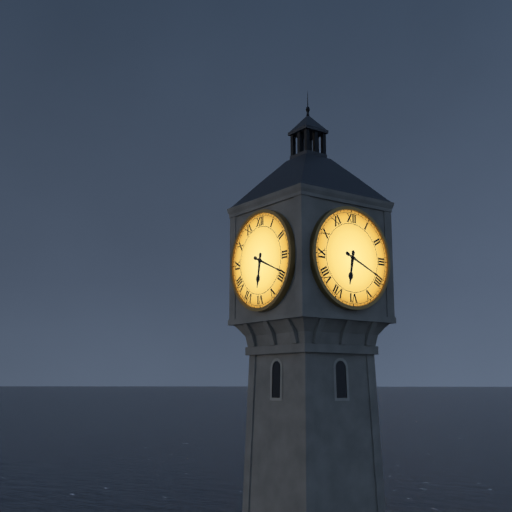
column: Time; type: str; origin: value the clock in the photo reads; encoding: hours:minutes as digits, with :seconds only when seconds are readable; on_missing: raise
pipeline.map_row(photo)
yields 6:19
